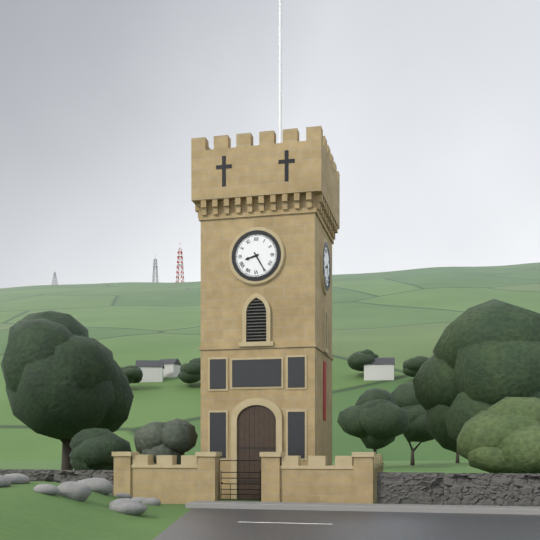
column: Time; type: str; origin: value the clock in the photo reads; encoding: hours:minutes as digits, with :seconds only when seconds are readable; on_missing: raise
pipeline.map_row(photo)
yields 8:25
